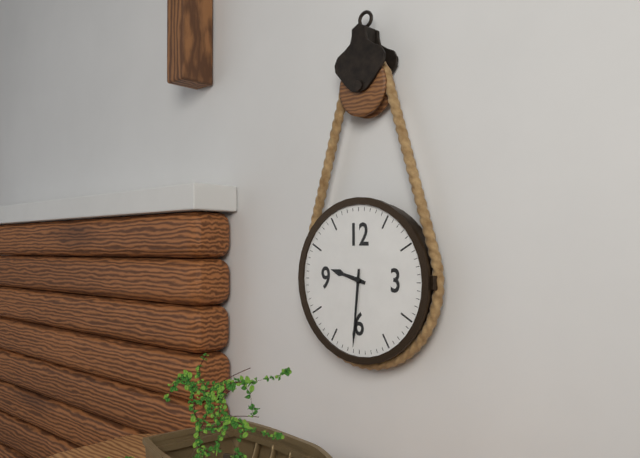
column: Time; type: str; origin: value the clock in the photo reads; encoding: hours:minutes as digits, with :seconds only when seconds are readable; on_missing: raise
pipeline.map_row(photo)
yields 9:31
